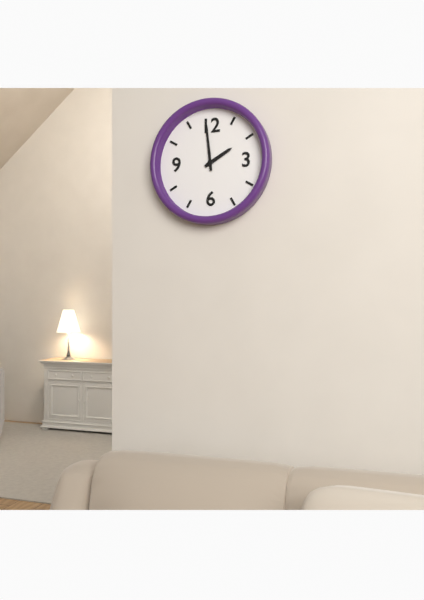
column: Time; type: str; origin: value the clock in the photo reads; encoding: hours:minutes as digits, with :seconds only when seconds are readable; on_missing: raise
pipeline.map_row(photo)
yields 1:59
